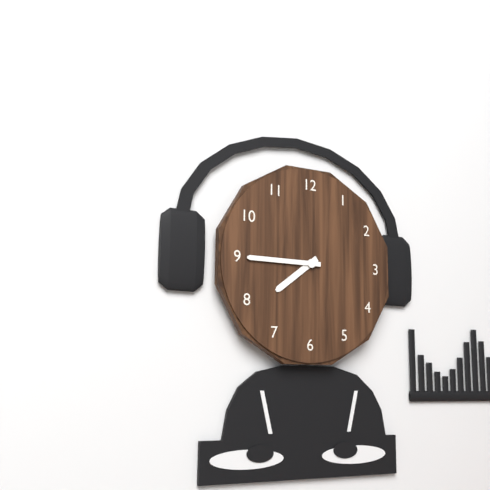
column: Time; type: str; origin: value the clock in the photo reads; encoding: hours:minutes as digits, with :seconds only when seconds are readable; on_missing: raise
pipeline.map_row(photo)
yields 7:45
